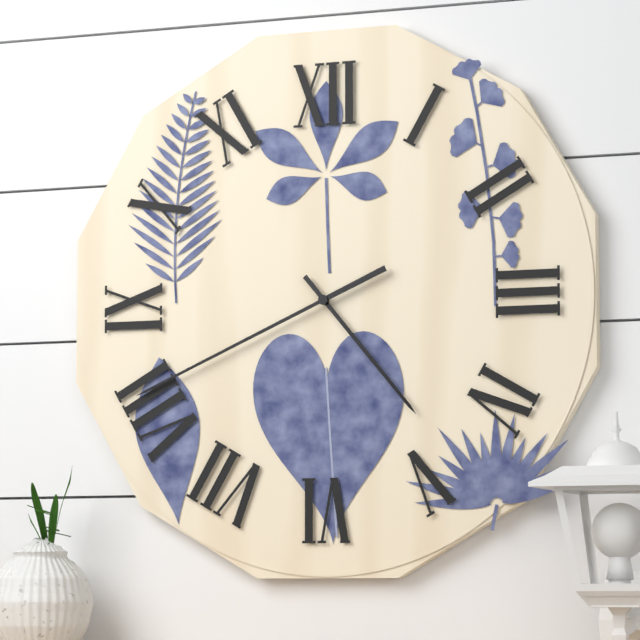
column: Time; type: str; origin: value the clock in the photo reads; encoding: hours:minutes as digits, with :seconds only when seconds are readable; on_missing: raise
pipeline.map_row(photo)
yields 4:41
